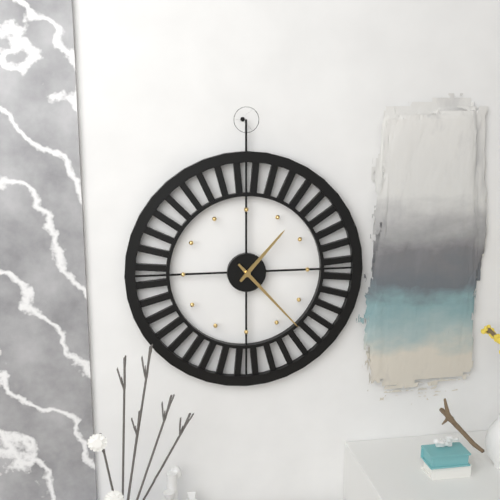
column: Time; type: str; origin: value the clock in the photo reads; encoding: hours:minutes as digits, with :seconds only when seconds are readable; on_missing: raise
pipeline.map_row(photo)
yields 1:23
